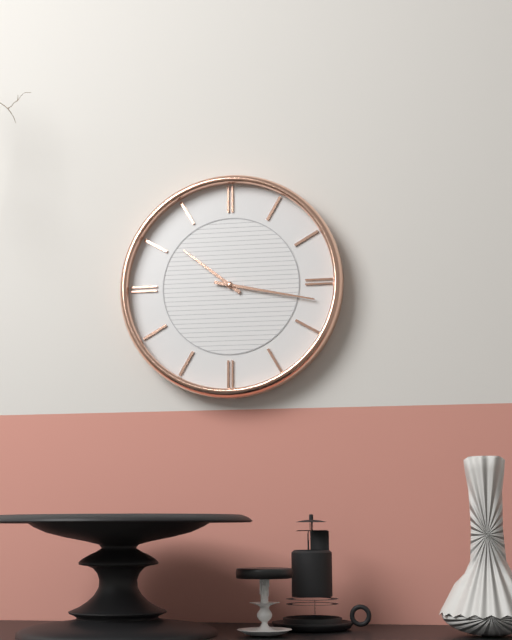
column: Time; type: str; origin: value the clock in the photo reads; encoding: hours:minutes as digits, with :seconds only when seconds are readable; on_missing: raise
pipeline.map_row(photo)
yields 10:17
